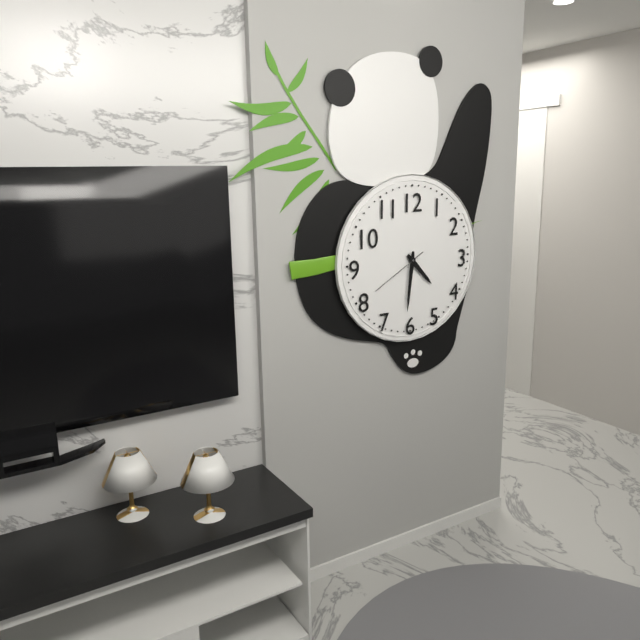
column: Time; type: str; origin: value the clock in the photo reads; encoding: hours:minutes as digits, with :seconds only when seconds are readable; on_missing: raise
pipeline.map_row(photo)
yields 4:31:40
